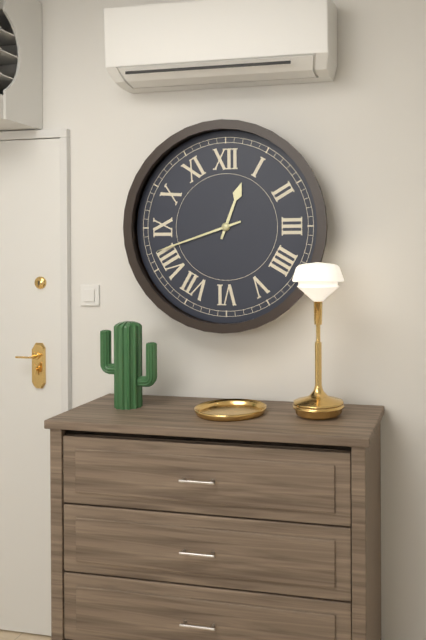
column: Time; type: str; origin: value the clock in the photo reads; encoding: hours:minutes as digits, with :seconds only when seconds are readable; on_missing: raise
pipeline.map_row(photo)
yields 12:42
